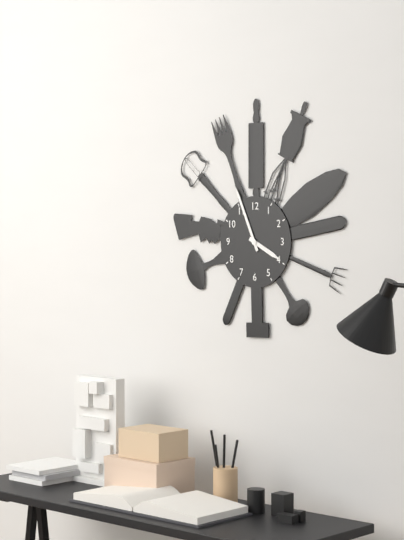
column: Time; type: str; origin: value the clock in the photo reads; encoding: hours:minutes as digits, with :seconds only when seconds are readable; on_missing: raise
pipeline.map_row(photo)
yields 3:56
